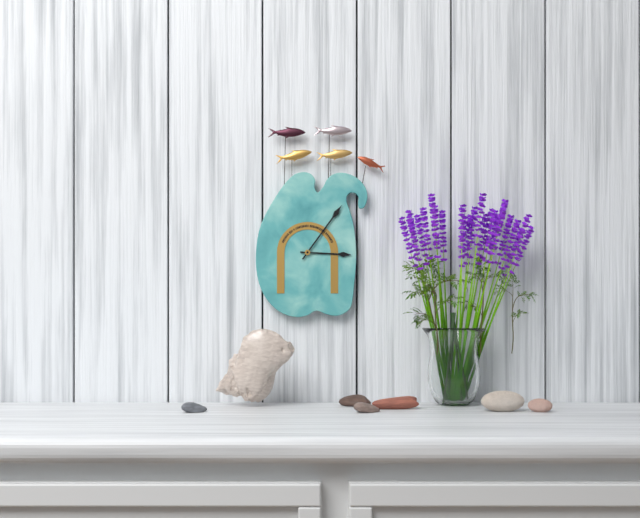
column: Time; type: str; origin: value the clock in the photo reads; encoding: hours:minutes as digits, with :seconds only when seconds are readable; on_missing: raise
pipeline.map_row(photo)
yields 3:06
